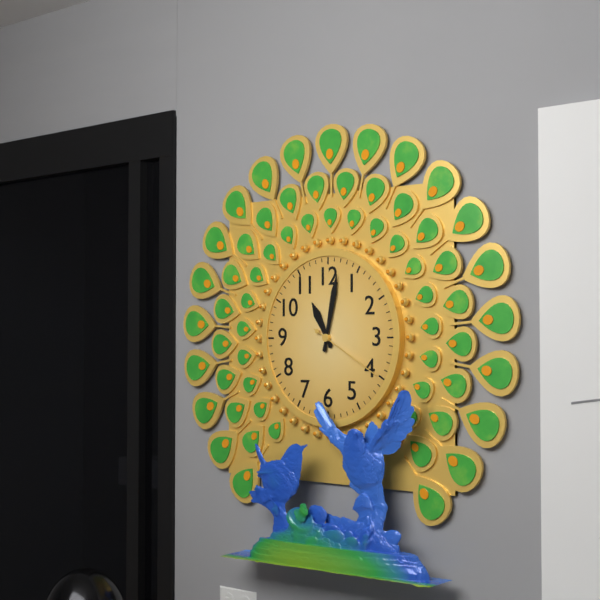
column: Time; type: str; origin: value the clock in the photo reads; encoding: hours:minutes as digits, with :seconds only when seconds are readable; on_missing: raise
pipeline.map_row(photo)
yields 11:02:20
